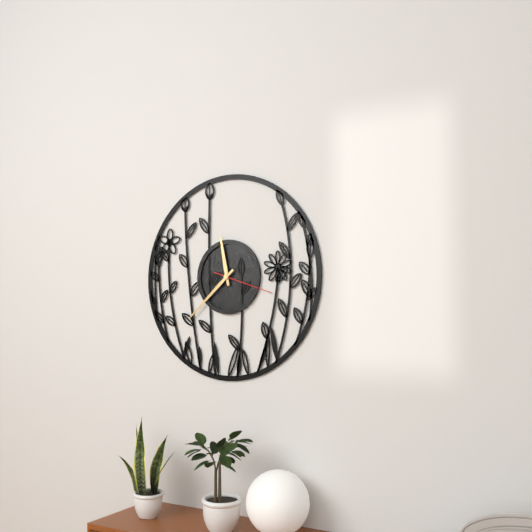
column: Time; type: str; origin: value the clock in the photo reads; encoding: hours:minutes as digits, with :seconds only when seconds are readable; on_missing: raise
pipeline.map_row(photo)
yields 11:38:18
